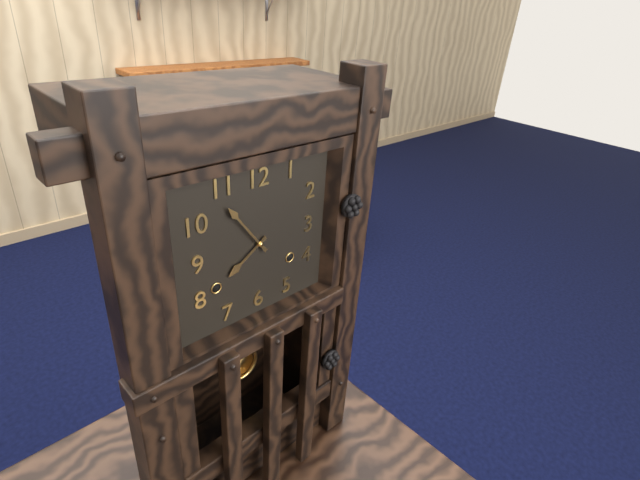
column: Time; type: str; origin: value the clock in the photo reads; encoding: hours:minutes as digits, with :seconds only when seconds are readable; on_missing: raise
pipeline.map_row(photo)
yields 7:54
